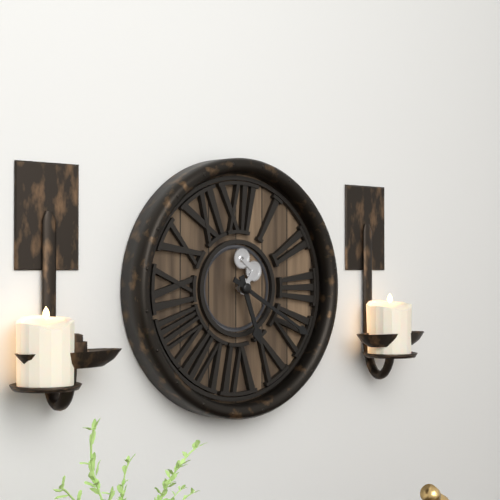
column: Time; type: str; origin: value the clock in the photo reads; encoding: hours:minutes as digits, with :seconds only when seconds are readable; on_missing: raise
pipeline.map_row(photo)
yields 5:20
